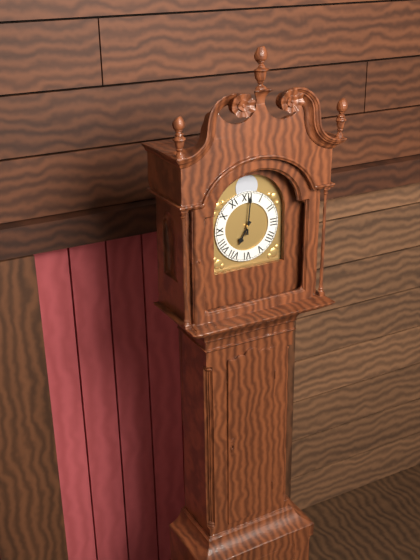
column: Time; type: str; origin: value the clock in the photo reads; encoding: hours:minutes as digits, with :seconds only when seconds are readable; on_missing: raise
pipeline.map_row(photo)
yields 7:01
